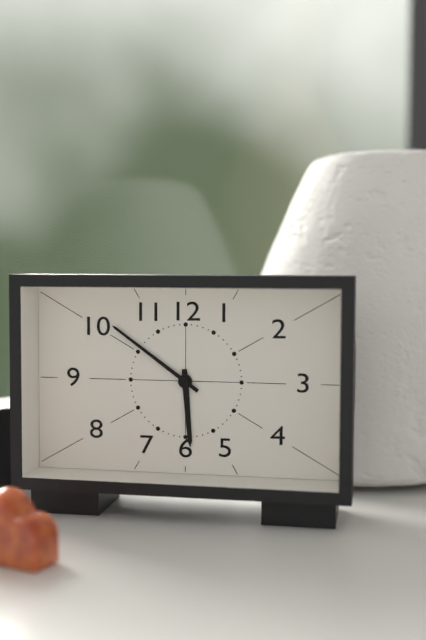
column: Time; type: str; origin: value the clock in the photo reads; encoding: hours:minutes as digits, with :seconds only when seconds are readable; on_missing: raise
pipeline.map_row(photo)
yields 5:51
